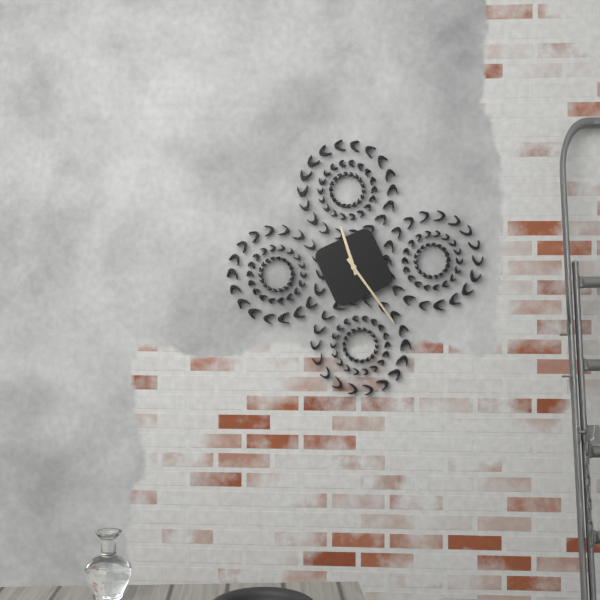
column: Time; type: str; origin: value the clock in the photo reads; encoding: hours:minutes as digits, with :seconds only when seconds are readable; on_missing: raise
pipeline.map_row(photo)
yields 11:24
